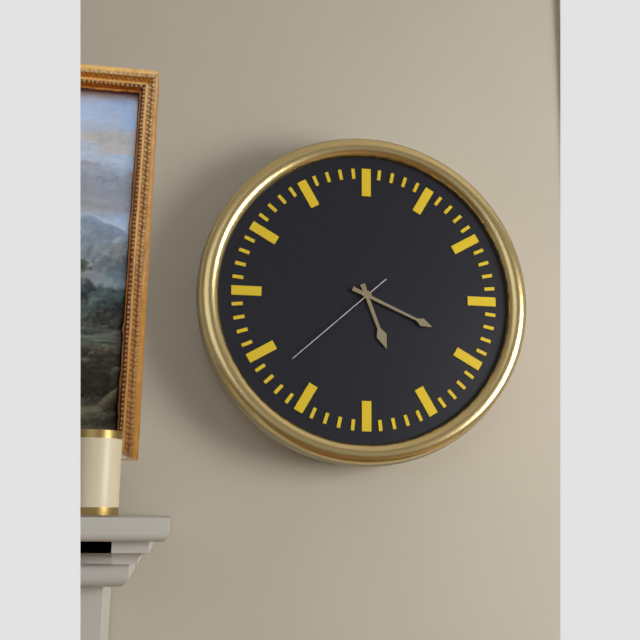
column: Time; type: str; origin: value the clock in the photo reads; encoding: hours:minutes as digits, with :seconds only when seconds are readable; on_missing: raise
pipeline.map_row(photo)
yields 5:19:38
